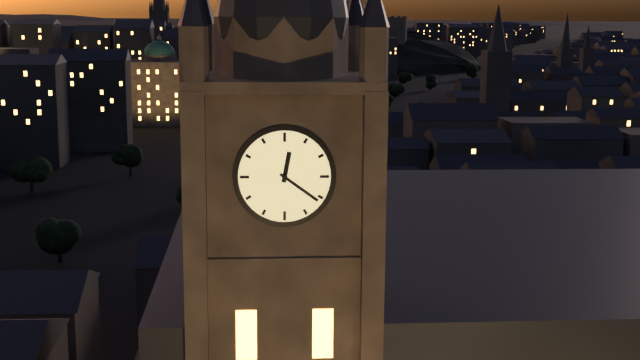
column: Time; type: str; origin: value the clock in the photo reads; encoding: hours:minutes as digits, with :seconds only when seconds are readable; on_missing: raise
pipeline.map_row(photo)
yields 12:21
